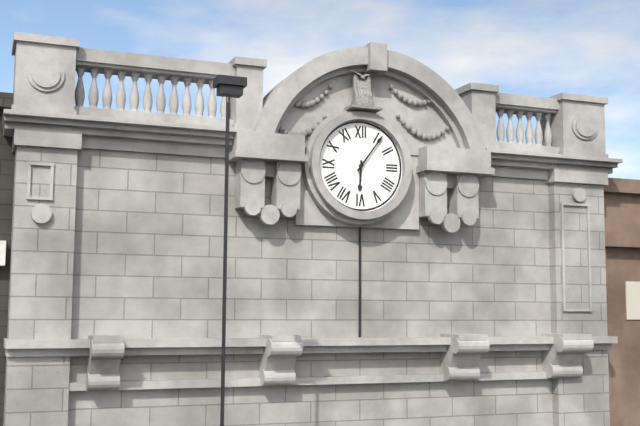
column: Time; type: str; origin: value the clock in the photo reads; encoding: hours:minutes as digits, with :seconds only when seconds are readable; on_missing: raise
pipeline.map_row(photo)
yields 6:06
